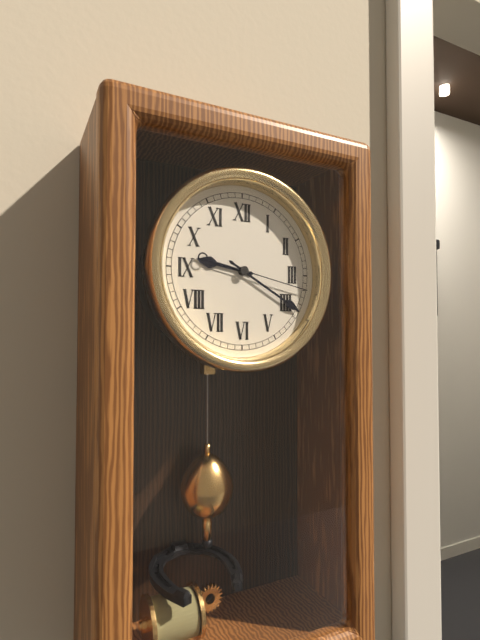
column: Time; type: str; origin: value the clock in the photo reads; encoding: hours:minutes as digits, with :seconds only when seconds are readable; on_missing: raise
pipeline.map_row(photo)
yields 9:20:17
